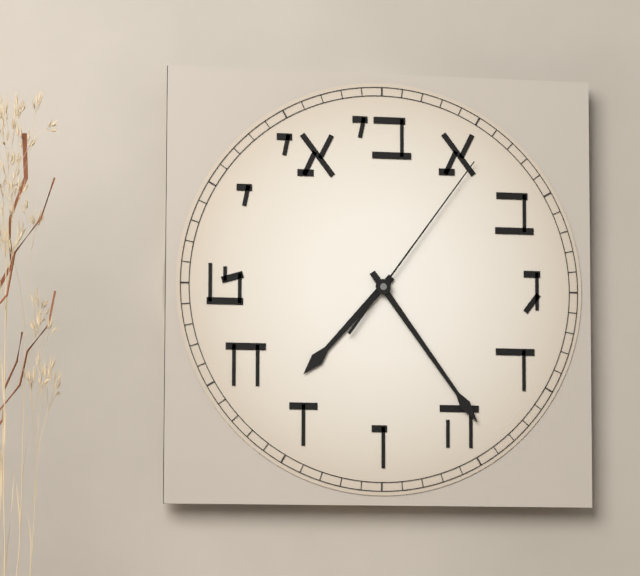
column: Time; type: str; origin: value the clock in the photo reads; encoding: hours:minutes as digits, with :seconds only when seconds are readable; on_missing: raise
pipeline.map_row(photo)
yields 7:24:06
